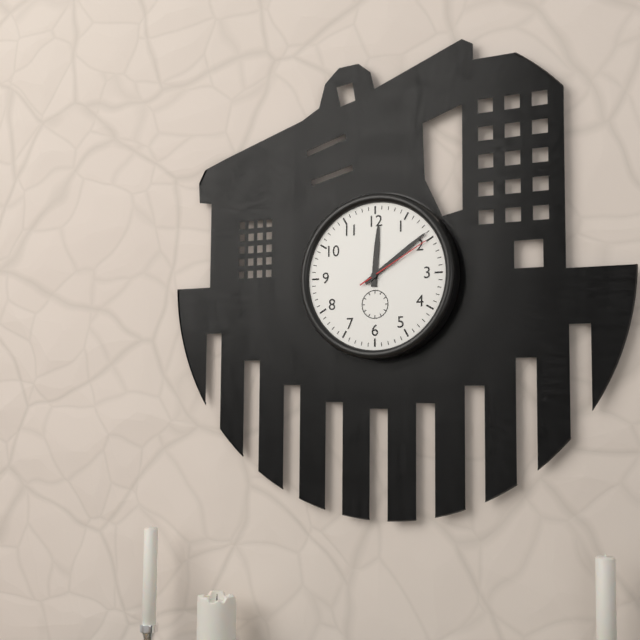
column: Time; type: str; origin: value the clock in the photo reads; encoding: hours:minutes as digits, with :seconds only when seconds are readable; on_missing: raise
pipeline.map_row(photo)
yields 12:09:10
